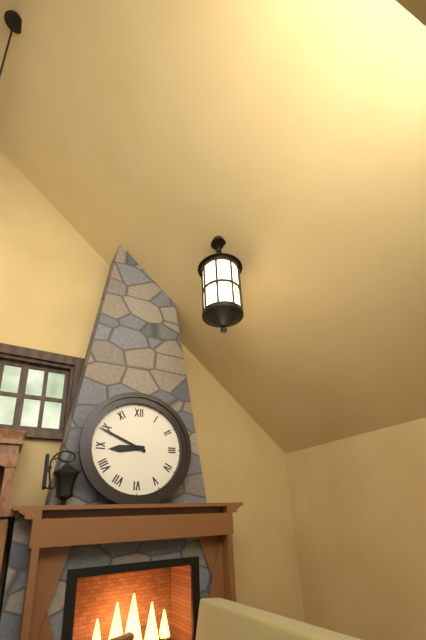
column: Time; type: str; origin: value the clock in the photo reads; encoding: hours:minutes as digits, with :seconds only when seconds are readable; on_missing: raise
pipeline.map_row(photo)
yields 8:49
